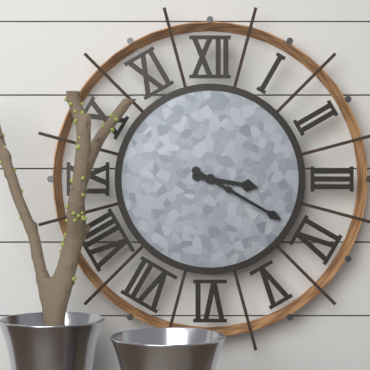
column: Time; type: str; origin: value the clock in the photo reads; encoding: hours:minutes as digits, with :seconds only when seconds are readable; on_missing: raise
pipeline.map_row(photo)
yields 3:20
